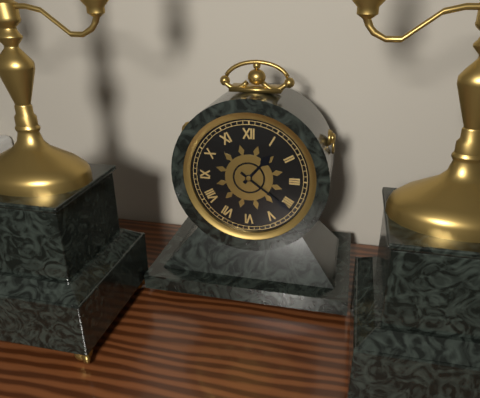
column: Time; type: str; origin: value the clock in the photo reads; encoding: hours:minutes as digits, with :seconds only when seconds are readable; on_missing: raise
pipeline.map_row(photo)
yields 1:21
